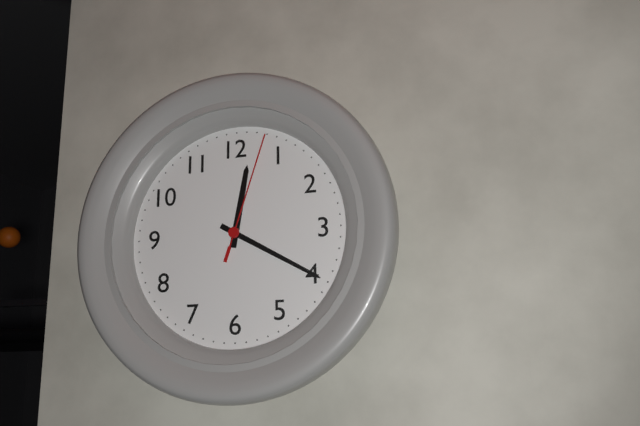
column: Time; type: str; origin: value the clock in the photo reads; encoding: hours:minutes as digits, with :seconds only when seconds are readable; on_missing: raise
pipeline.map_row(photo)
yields 12:20:03
